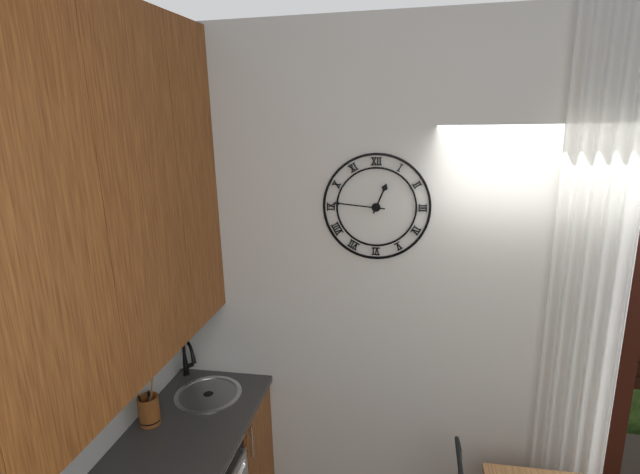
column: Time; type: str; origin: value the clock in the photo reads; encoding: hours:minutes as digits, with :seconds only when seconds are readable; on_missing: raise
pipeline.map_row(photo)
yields 12:46
